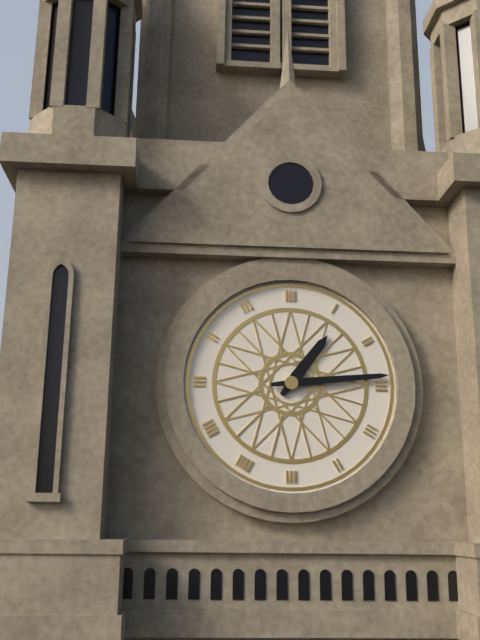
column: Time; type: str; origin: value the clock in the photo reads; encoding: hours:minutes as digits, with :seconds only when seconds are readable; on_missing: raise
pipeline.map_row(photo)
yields 1:14
